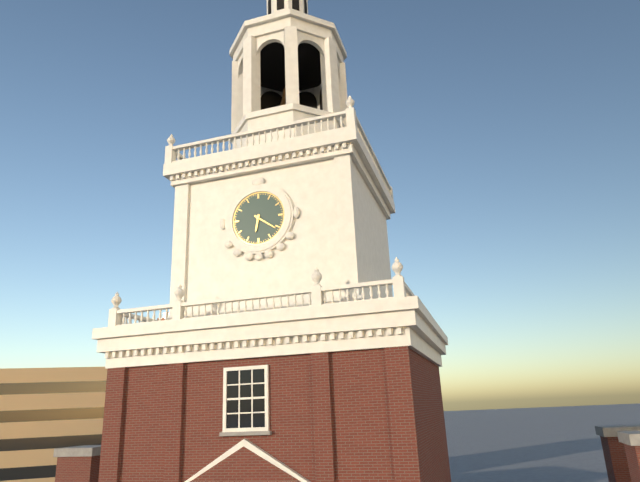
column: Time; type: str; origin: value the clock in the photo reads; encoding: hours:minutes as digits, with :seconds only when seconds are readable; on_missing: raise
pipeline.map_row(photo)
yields 6:21
